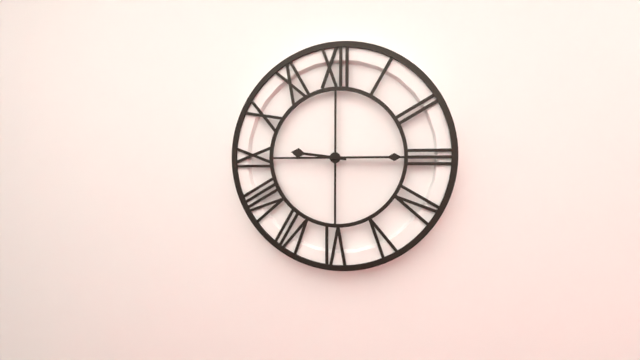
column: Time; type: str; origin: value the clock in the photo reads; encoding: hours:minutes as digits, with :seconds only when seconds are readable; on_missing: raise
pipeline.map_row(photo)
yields 9:15
